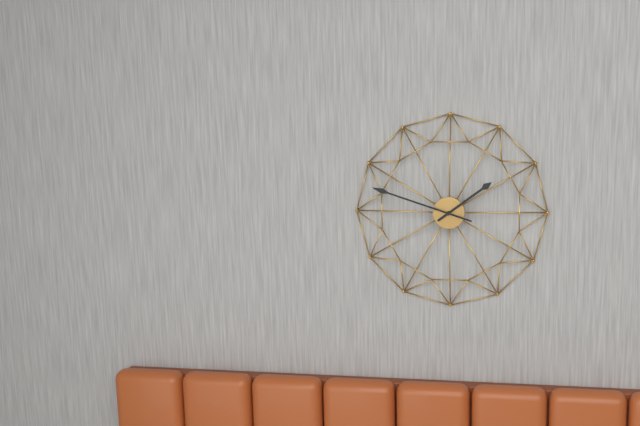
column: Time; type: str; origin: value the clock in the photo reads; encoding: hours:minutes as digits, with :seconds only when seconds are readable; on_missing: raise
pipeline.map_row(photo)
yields 1:48
